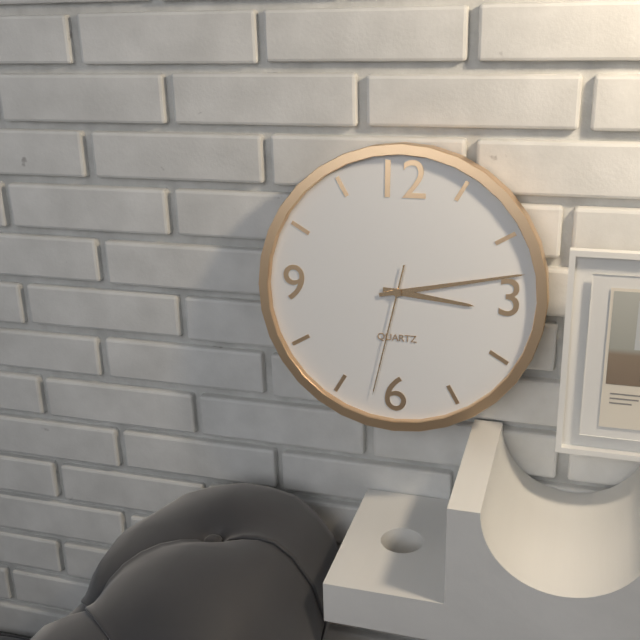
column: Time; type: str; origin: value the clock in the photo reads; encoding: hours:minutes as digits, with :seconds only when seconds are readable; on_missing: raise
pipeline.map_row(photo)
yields 3:13:32
